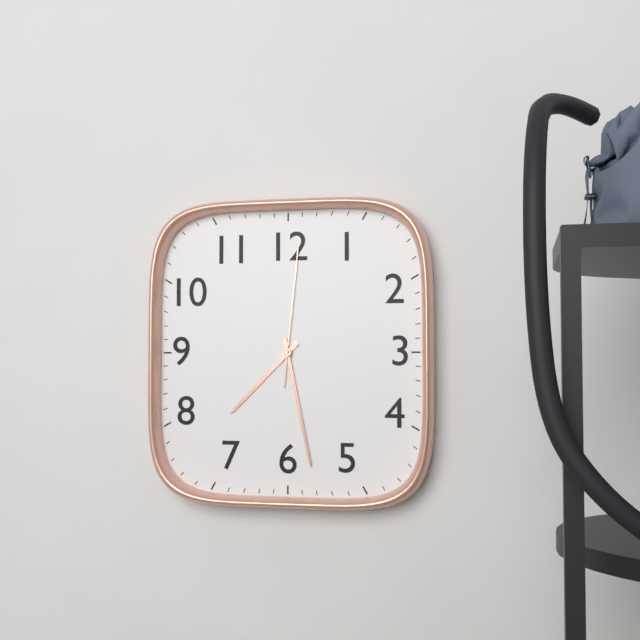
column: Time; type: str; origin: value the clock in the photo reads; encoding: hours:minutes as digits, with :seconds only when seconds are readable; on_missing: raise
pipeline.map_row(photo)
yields 7:28:01
